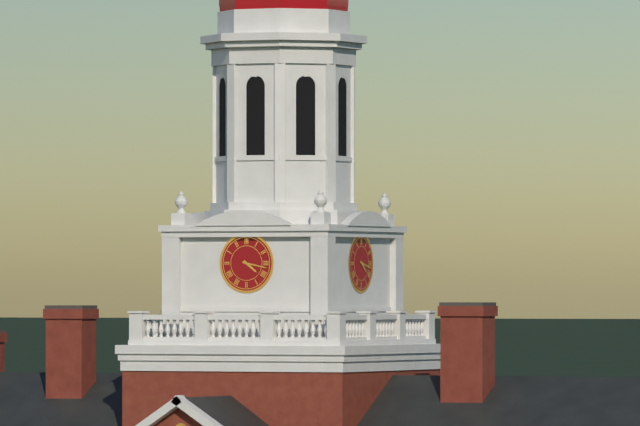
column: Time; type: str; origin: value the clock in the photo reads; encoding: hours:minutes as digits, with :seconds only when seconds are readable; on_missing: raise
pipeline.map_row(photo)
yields 4:17
